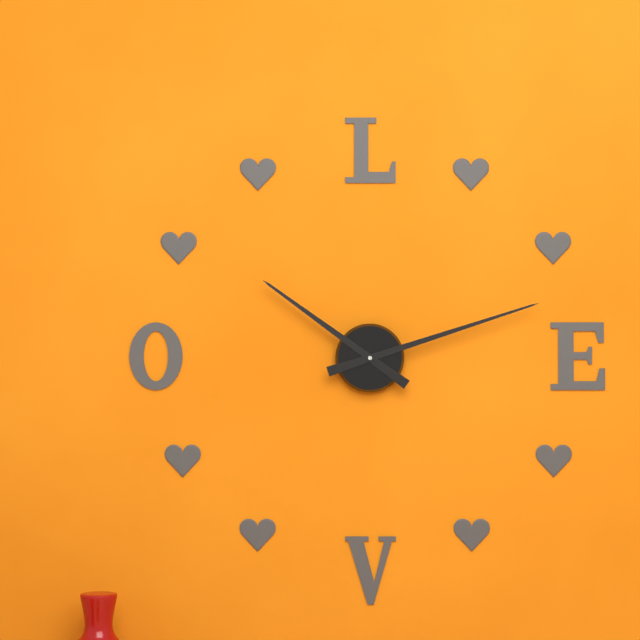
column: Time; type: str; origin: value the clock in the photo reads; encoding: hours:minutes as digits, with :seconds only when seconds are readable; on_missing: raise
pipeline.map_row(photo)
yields 10:12
